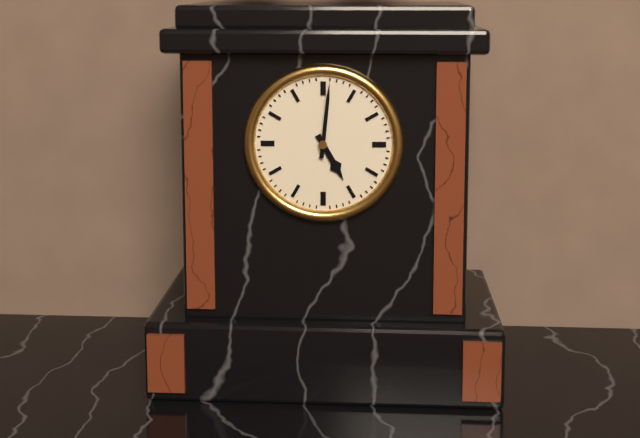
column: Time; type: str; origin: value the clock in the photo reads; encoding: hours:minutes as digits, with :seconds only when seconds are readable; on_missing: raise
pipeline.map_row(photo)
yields 5:01
